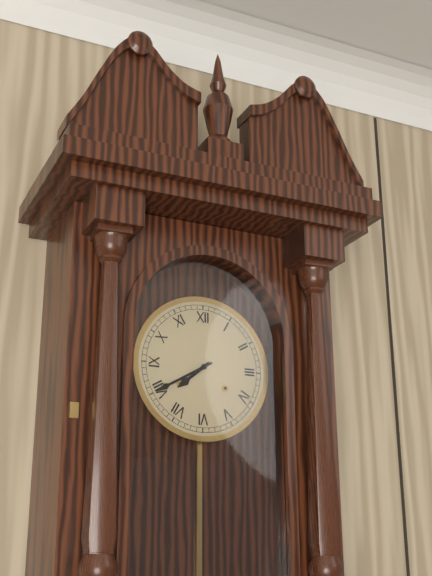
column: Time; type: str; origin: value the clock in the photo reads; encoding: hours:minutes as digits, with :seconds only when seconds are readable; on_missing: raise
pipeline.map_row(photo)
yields 7:40
